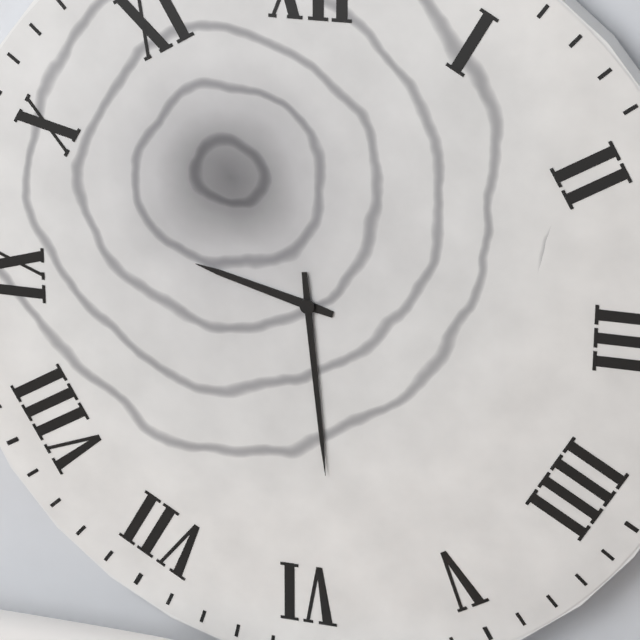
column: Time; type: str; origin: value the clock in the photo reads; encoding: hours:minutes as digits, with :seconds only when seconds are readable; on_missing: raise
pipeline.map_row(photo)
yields 9:29
